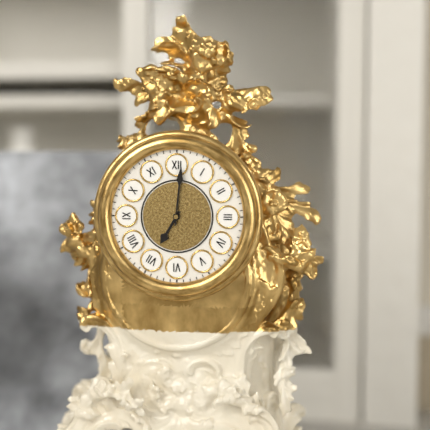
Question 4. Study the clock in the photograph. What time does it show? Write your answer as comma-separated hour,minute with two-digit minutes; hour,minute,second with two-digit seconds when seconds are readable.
7,01
